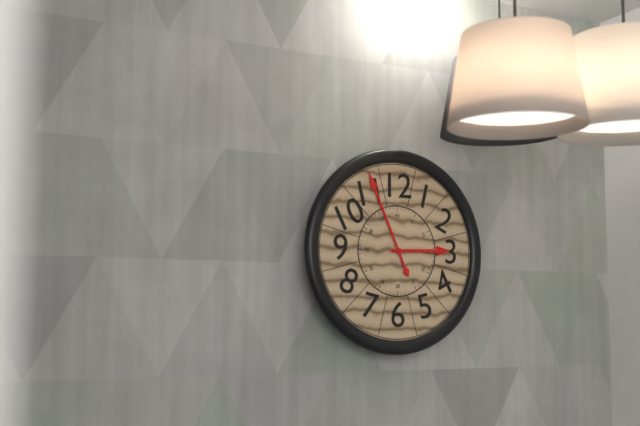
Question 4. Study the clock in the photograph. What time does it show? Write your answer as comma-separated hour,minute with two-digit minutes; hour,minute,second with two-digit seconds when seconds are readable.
2,56
